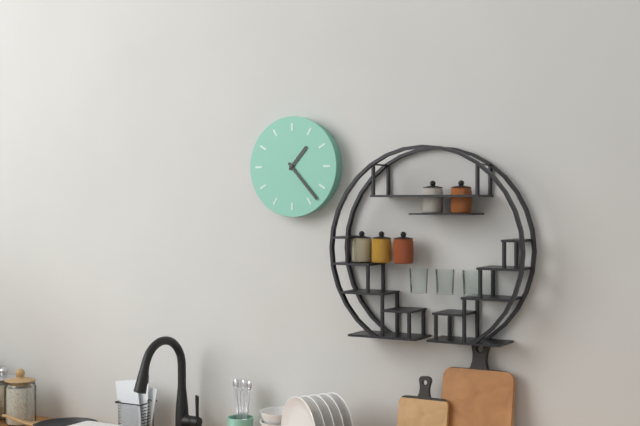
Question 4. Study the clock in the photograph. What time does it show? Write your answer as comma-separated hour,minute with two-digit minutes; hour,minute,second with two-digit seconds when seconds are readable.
1,23
